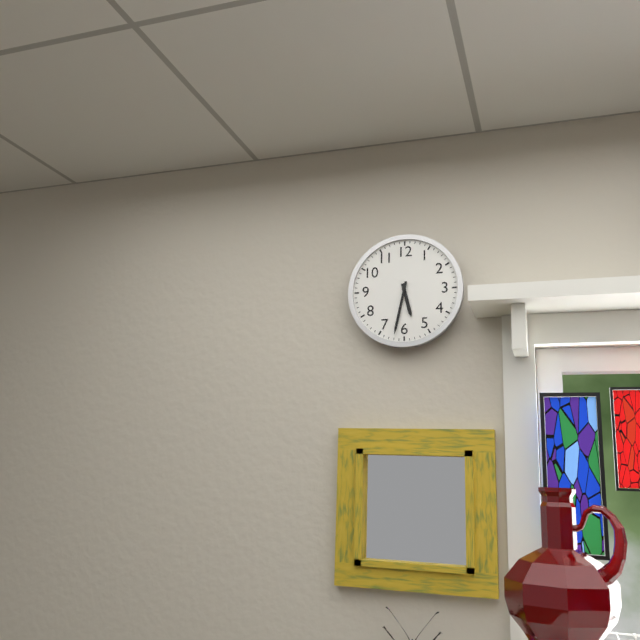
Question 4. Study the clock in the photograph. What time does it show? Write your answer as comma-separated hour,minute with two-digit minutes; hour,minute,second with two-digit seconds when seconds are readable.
5,32
